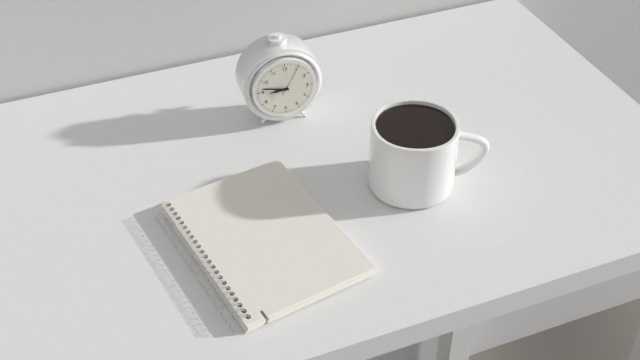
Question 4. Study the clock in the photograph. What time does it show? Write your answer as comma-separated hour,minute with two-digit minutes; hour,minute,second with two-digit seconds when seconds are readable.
8,47
